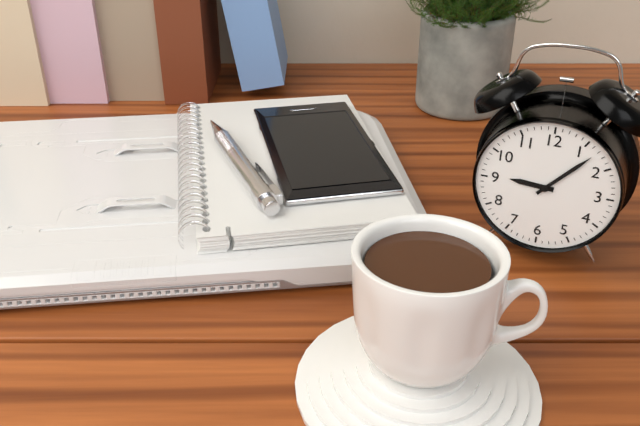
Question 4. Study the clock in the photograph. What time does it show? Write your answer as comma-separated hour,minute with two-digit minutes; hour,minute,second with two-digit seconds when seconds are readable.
9,07
